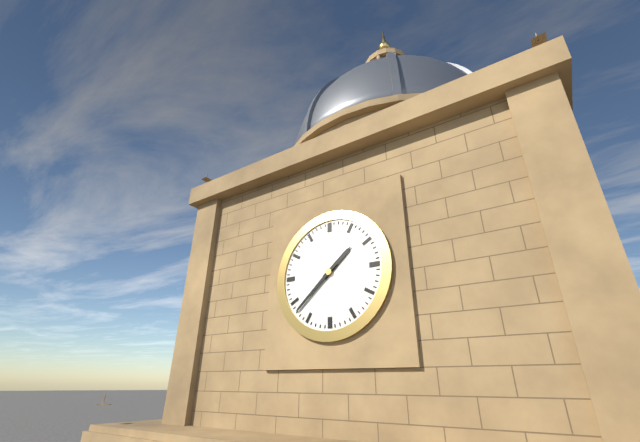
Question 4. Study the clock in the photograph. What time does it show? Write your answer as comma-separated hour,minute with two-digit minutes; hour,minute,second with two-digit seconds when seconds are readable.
1,38
